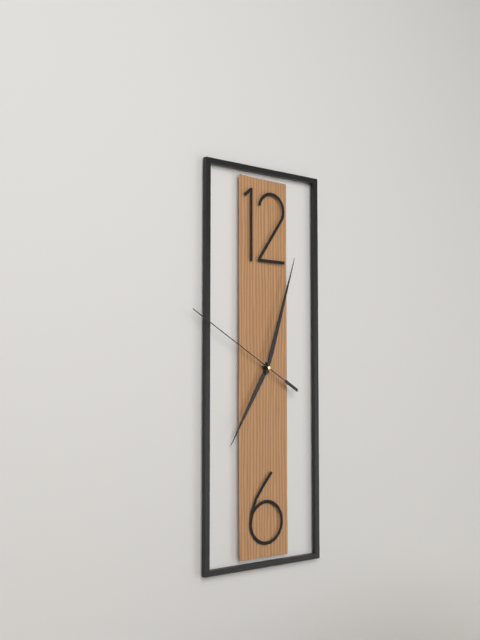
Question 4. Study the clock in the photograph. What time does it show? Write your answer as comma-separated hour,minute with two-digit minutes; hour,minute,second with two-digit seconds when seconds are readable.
7,03,50
